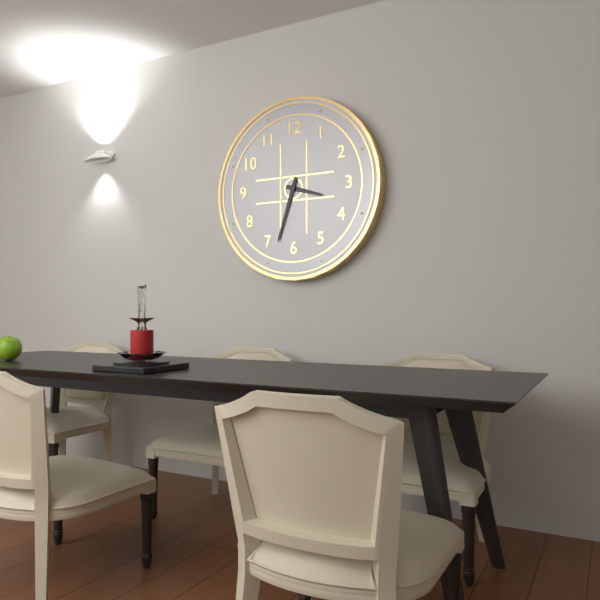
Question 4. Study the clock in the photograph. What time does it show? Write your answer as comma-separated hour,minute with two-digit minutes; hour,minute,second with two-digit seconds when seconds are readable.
3,33
